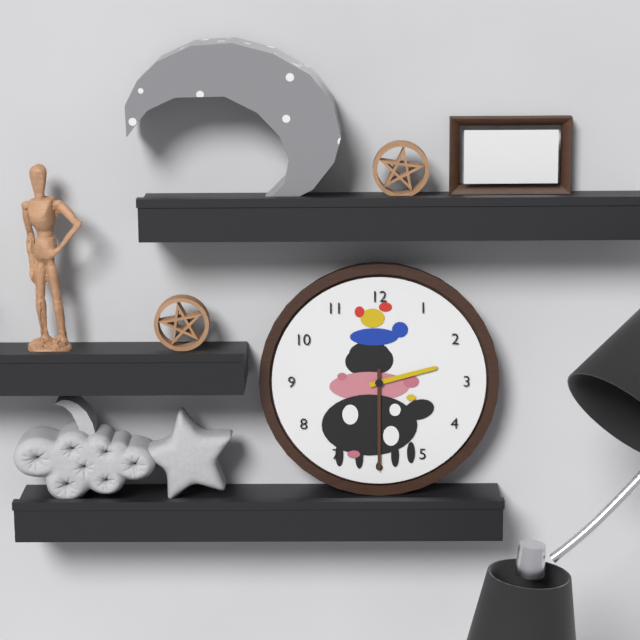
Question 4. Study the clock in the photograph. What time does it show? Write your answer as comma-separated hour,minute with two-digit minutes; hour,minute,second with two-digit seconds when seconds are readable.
2,30
